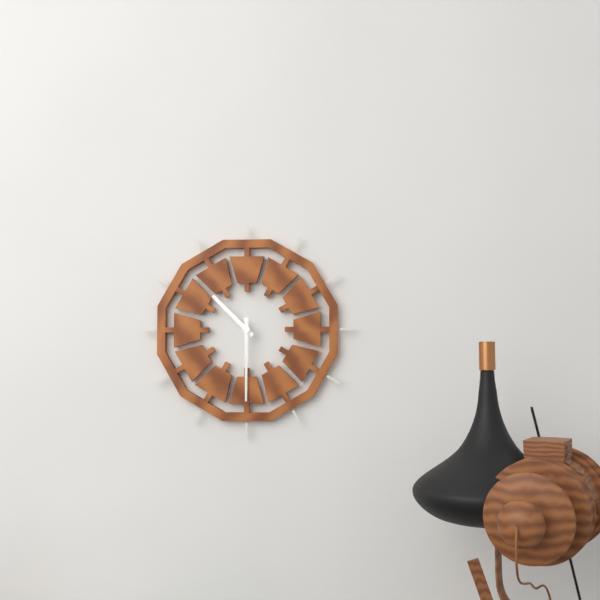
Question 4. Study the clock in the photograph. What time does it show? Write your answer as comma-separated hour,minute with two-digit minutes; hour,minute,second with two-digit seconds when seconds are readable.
10,30
